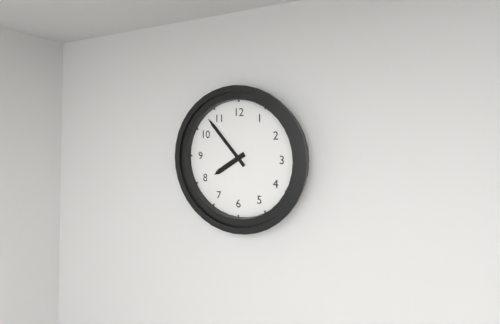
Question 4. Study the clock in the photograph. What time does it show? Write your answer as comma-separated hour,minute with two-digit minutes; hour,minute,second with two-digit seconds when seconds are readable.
7,53
